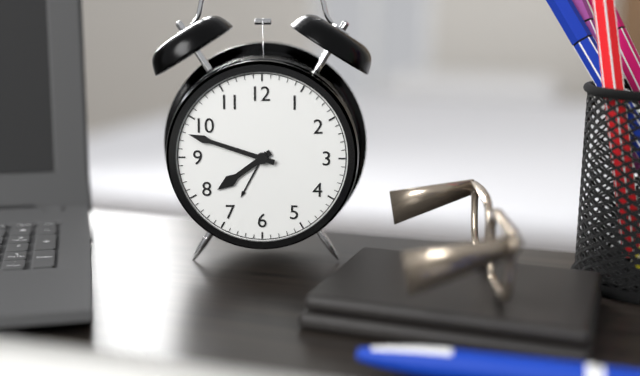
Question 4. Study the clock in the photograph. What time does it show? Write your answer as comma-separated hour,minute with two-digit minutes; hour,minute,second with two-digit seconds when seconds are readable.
7,48
